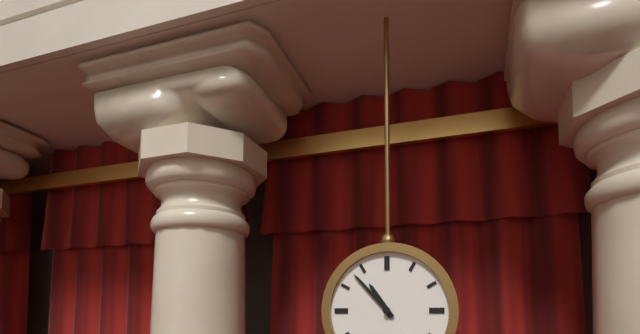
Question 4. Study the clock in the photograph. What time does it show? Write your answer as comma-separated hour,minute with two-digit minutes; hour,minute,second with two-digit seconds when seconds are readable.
10,53
